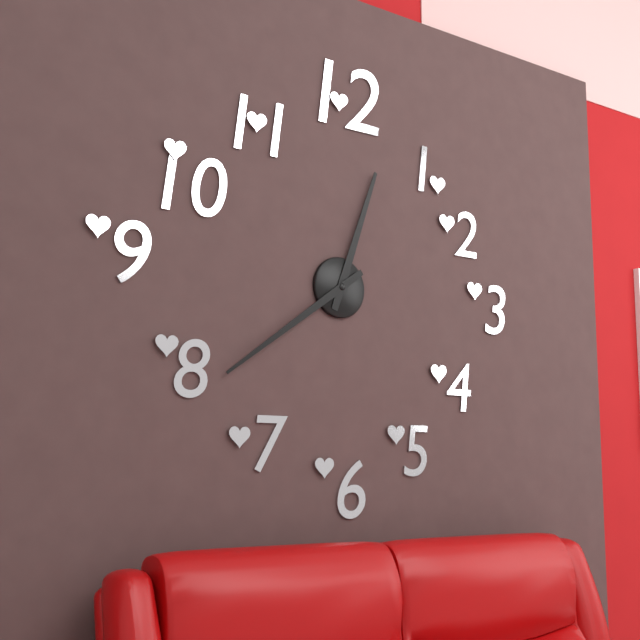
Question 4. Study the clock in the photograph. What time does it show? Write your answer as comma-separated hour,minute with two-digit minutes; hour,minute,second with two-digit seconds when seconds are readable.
12,39
